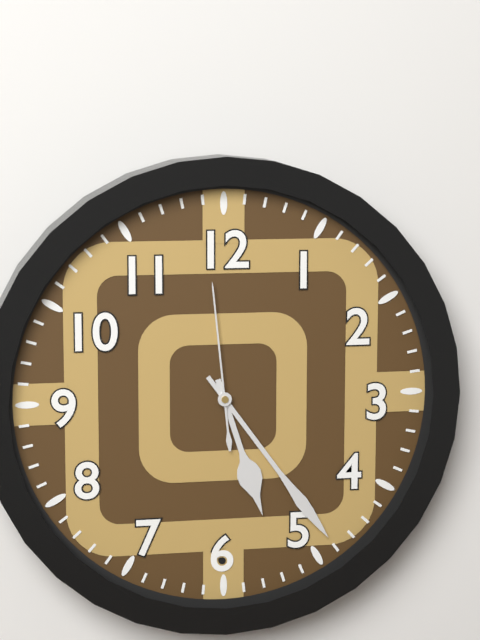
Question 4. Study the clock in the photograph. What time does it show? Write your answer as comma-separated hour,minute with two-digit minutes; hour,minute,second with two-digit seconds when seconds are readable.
5,24,59
